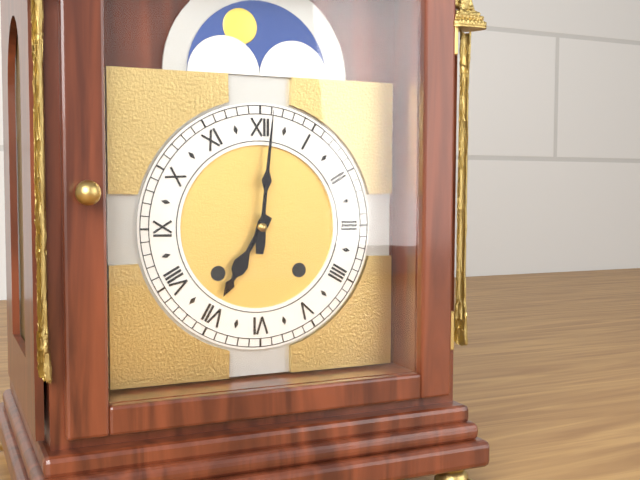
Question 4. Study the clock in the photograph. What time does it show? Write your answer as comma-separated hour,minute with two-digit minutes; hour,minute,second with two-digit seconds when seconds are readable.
7,01
